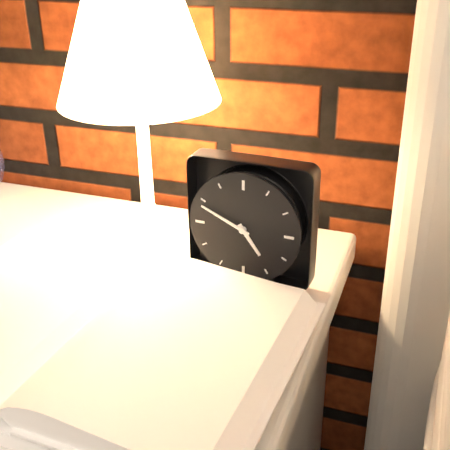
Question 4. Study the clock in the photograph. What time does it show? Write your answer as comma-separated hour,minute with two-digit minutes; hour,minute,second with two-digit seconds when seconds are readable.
4,49
